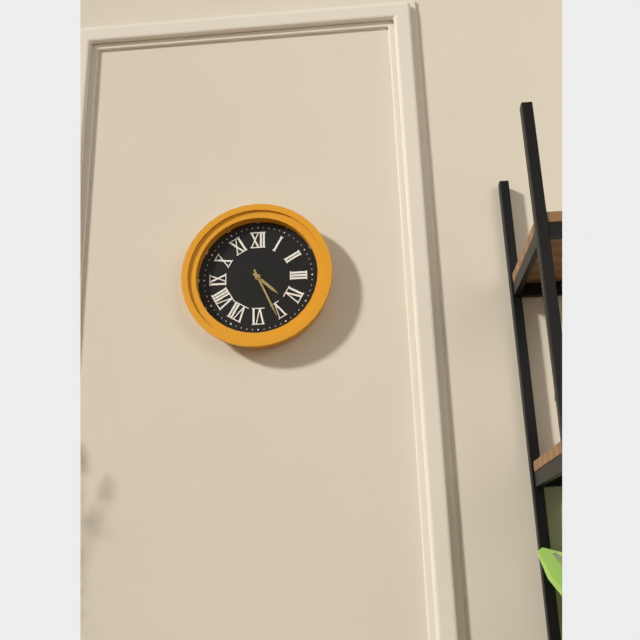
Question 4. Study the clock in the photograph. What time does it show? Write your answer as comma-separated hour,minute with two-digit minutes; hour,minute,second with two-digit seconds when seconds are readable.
4,26
